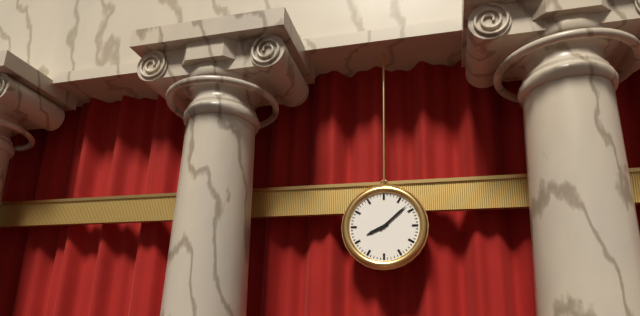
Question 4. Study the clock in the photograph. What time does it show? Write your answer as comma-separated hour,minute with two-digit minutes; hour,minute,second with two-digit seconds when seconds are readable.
8,08
